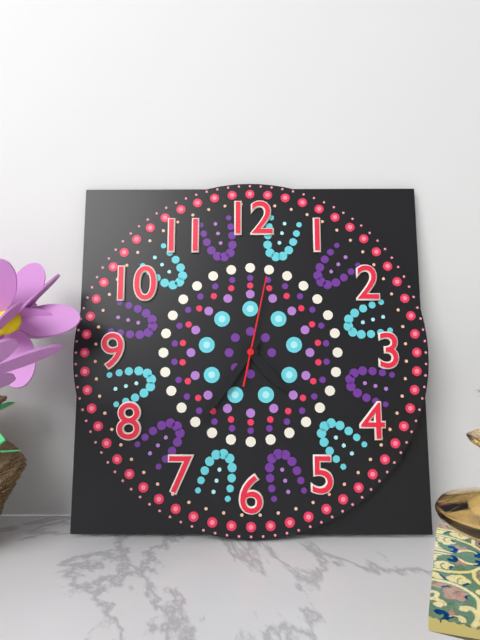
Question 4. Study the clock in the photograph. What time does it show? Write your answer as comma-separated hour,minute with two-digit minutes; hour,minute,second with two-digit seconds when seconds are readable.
4,36,02
